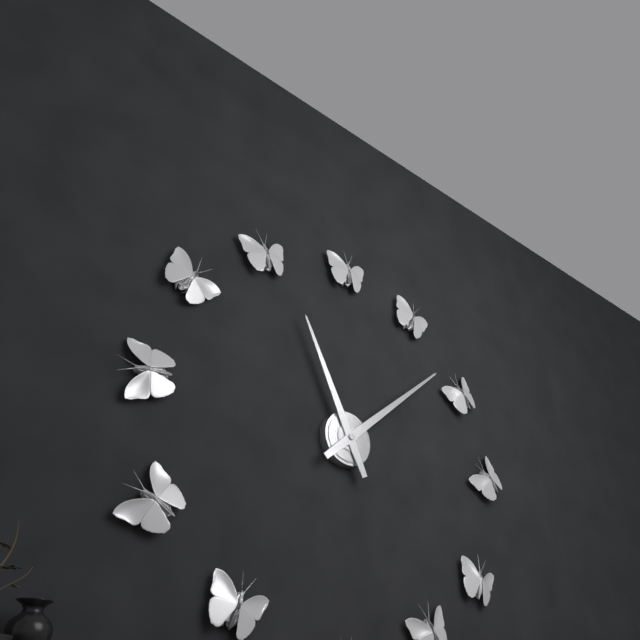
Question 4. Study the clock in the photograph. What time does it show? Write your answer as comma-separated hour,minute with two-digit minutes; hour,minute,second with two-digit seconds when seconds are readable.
11,08
